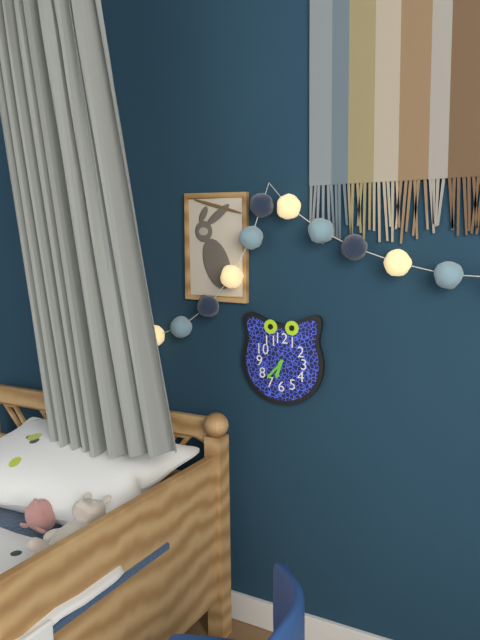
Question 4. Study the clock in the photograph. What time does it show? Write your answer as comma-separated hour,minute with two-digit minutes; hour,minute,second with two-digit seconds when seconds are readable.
6,37
